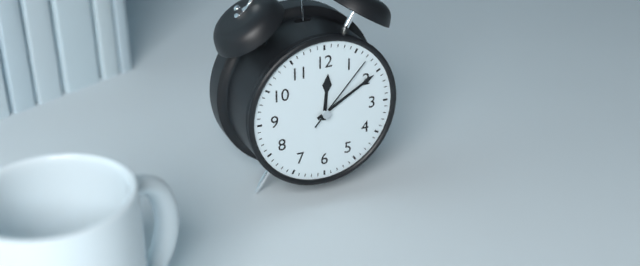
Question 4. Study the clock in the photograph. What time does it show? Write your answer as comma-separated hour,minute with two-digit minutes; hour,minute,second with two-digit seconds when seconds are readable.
12,10,07
